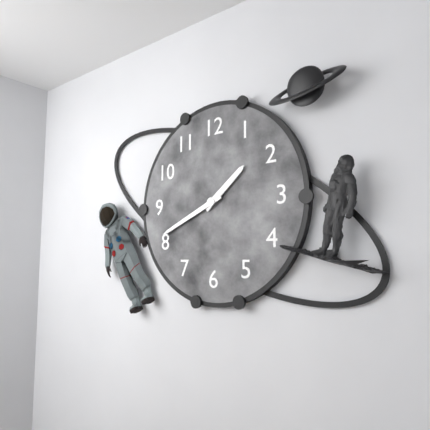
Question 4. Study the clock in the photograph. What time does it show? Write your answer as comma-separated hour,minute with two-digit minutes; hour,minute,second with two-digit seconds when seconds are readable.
1,41
